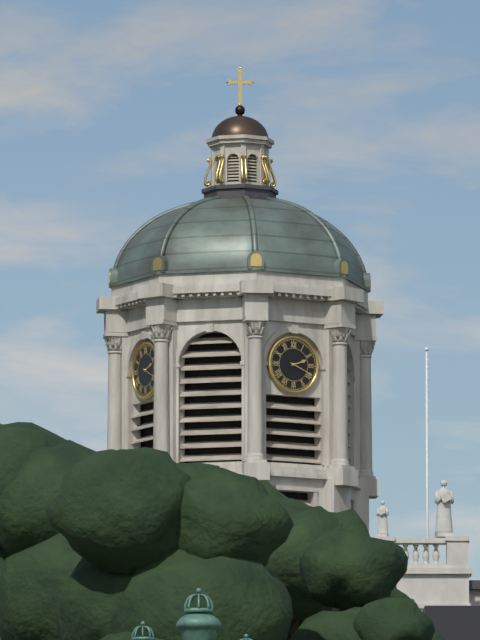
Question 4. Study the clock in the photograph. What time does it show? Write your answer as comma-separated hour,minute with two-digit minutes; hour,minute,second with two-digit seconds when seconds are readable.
2,19
